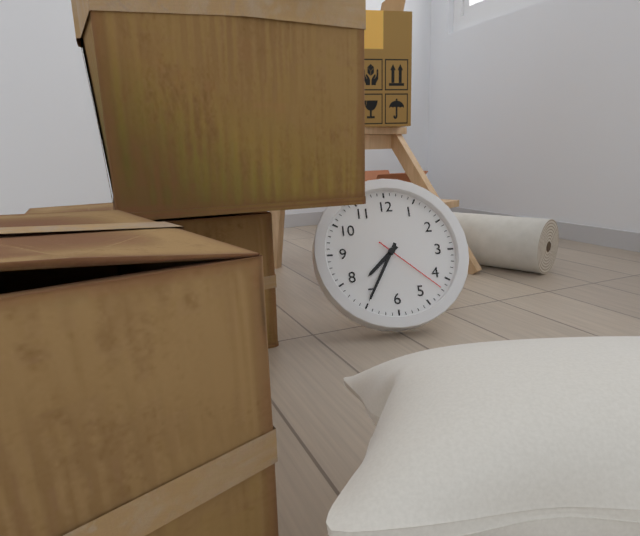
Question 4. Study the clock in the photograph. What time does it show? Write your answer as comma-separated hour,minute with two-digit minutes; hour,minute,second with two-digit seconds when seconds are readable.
7,35,22
